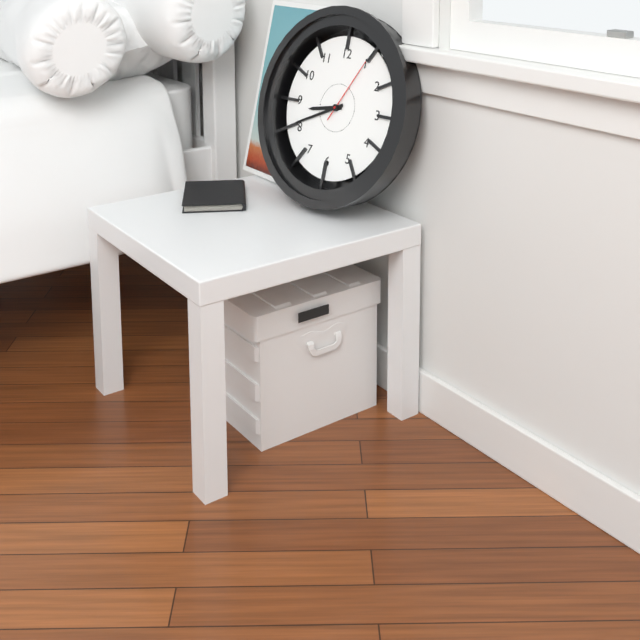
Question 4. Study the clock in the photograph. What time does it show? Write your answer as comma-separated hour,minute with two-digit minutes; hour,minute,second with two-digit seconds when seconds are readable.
8,41,05
